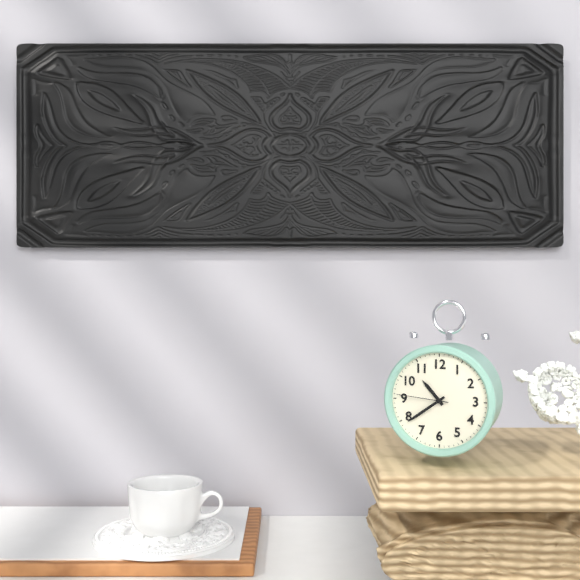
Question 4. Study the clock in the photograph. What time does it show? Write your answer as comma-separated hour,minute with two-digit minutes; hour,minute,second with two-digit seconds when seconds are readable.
10,39,46
